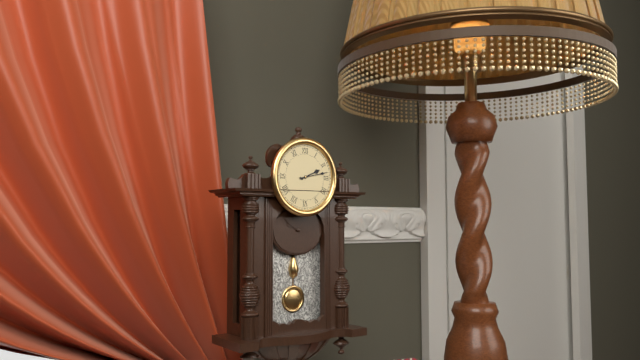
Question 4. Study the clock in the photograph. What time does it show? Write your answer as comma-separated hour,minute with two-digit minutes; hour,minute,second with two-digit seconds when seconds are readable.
2,13
